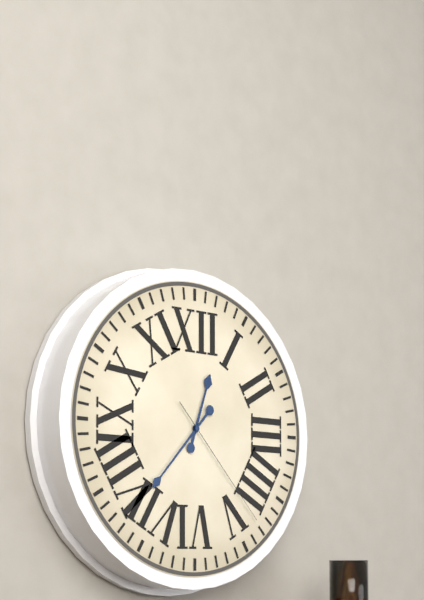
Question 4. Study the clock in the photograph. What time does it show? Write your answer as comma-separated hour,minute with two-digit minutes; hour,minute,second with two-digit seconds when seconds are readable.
12,37,23
